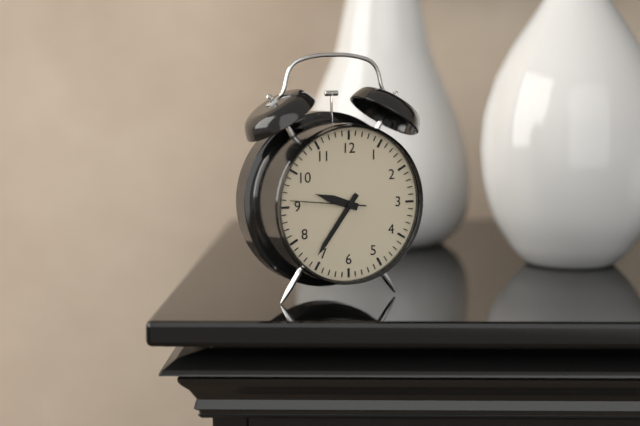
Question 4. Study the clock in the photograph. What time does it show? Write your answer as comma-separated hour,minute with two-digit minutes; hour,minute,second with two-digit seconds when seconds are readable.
9,36,46
